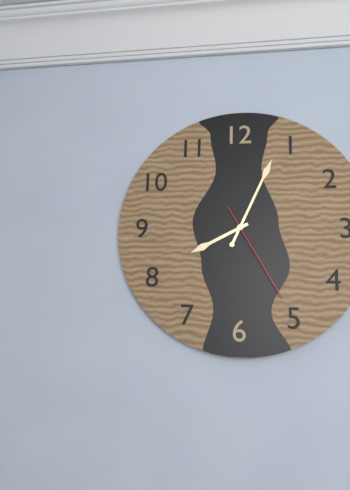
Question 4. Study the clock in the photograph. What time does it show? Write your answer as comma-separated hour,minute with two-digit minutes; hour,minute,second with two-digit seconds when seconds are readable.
8,04,25
